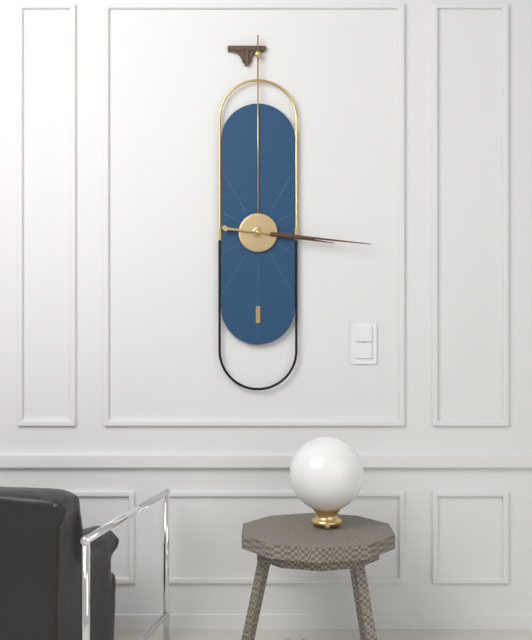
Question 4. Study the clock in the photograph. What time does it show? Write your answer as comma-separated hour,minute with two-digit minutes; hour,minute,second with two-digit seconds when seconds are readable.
3,16
